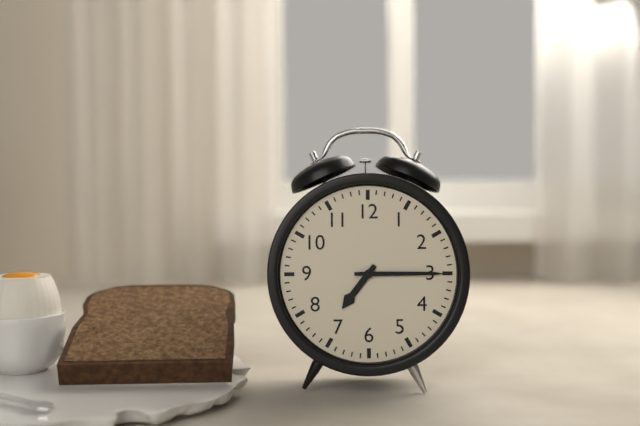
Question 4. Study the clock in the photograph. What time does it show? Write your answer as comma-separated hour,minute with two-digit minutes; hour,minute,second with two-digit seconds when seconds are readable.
7,15
